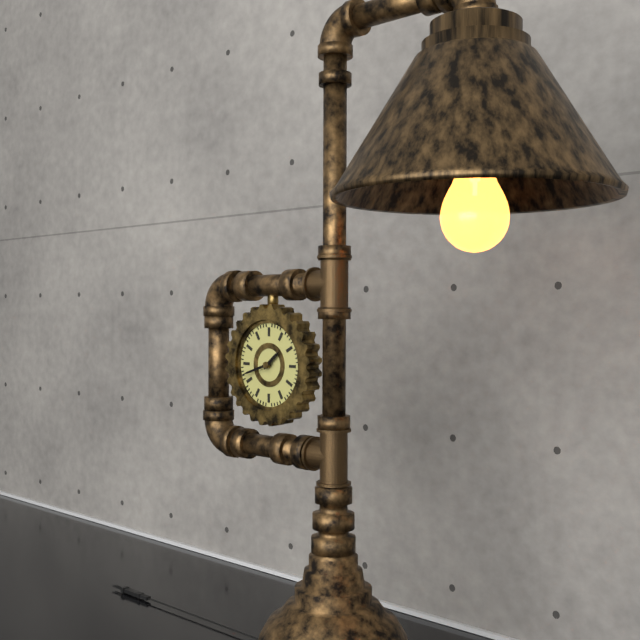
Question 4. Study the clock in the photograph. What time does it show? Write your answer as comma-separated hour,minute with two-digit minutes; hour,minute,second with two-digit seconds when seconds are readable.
1,42
